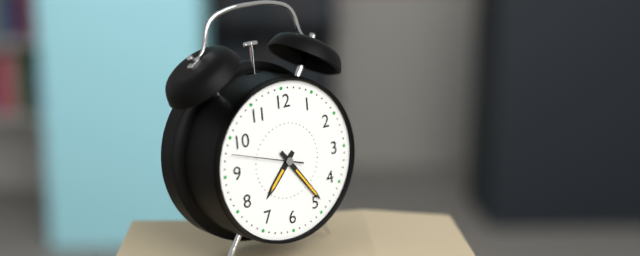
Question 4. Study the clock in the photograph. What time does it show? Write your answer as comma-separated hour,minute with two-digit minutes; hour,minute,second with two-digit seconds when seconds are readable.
7,24,48
